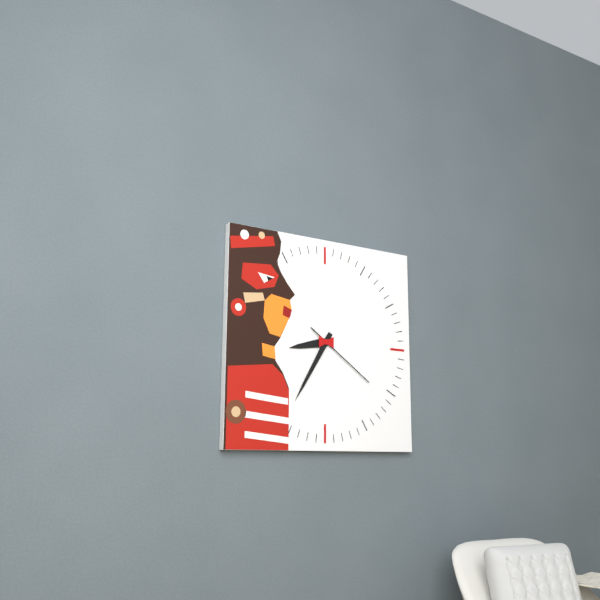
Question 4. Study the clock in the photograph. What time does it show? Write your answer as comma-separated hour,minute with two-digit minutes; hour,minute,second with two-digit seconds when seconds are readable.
8,35,21
